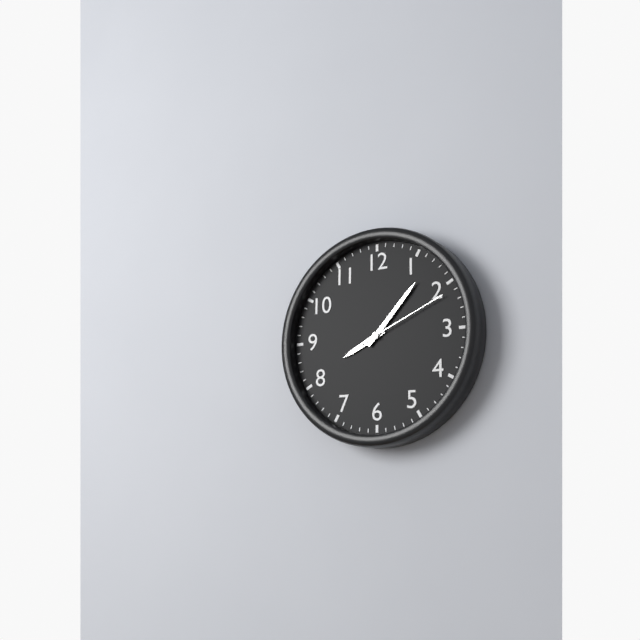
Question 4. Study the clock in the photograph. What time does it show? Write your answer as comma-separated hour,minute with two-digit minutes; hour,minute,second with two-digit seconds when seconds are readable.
8,07,11
